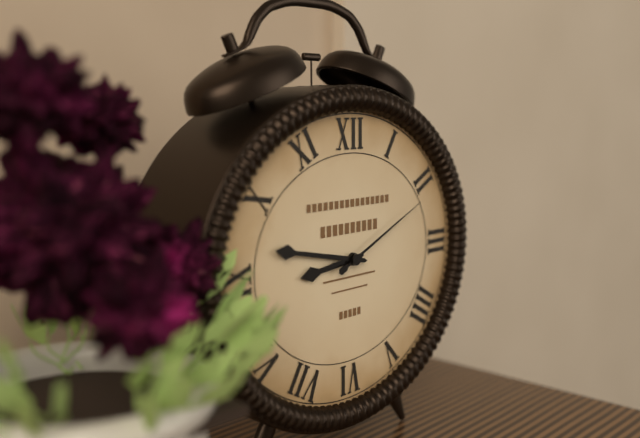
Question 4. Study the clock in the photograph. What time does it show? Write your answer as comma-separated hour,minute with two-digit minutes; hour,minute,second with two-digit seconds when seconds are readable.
8,47,11
